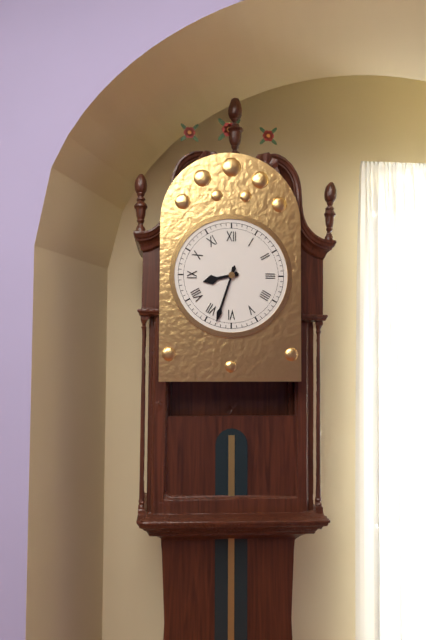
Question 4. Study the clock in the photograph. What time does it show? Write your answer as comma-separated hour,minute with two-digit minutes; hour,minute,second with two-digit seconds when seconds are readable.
8,33
